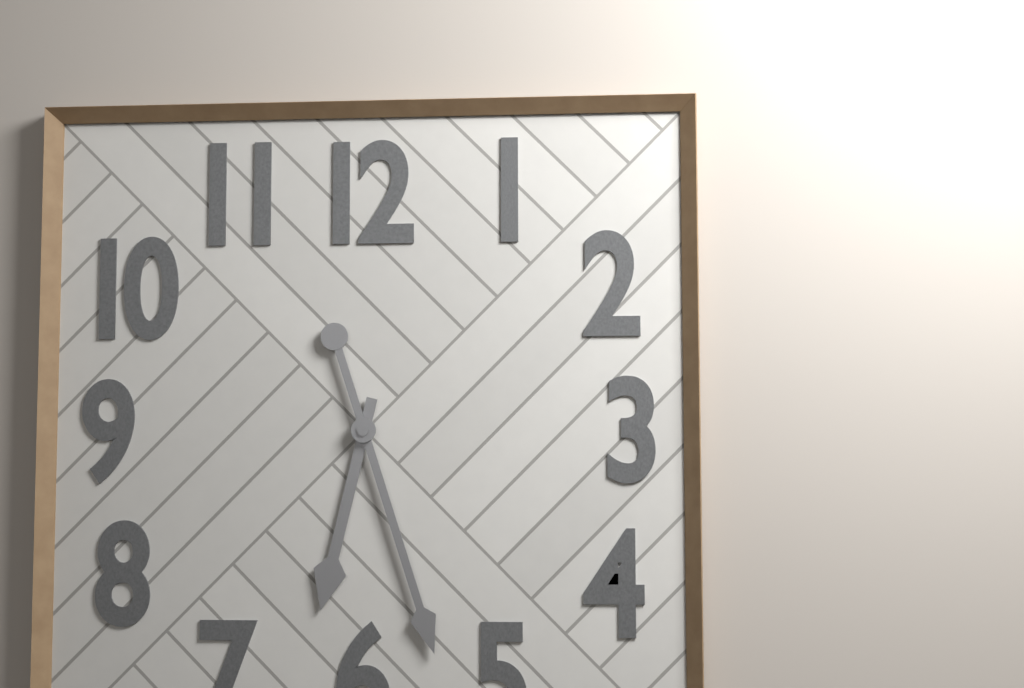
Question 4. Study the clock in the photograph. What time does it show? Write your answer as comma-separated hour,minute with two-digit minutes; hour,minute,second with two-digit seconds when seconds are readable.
6,27
